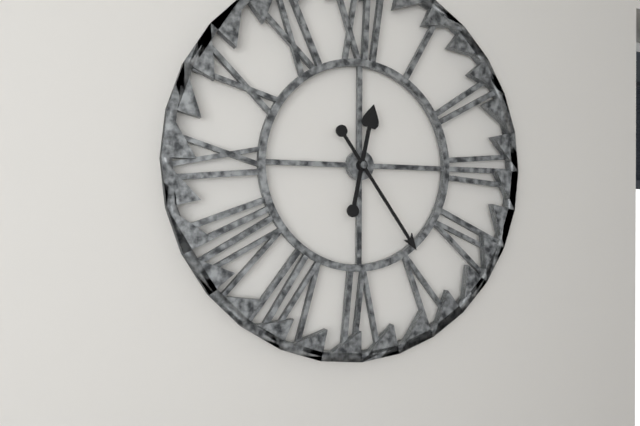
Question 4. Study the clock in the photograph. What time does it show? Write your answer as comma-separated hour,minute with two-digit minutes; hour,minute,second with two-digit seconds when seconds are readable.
12,24
